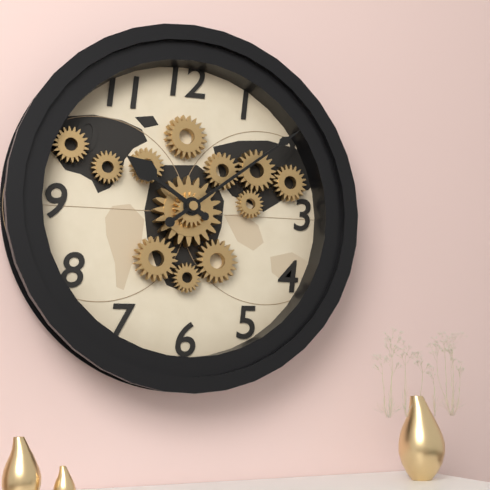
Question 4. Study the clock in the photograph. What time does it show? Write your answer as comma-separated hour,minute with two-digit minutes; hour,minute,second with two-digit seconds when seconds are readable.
10,09
